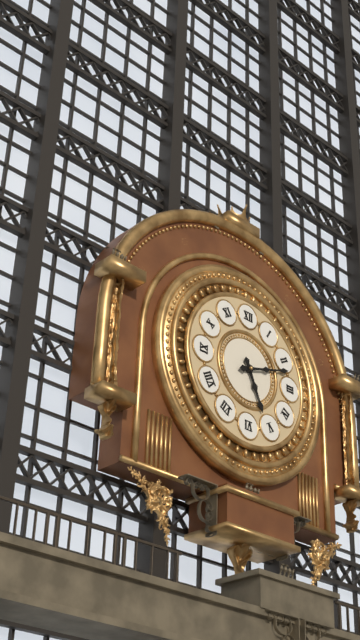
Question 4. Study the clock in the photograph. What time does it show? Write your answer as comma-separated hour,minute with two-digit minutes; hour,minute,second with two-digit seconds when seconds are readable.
5,12
